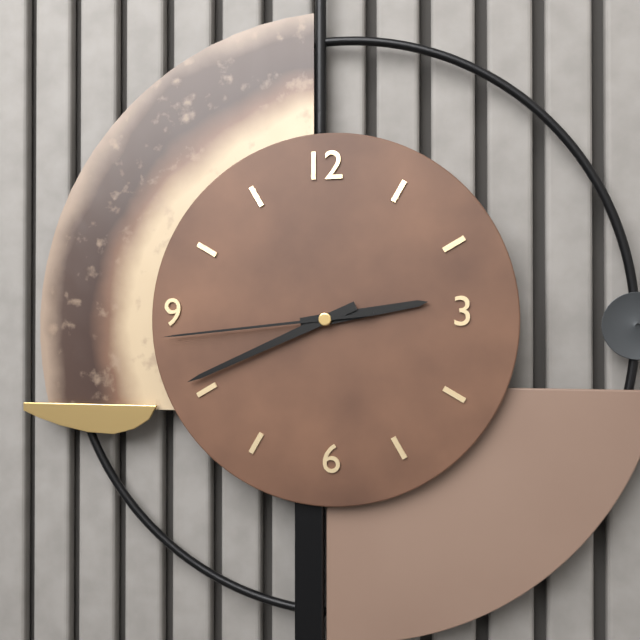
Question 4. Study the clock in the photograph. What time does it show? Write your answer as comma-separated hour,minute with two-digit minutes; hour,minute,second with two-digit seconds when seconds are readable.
2,41,44
